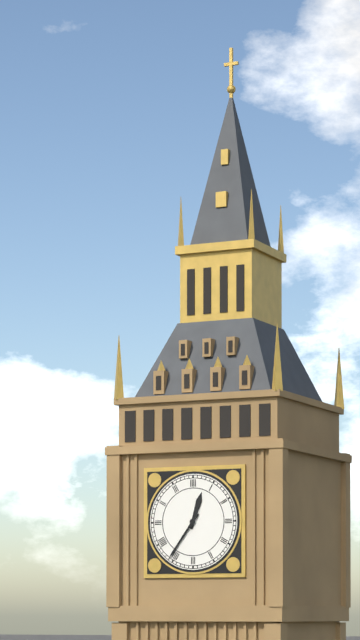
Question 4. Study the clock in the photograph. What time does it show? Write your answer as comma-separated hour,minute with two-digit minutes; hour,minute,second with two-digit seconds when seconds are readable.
12,36
